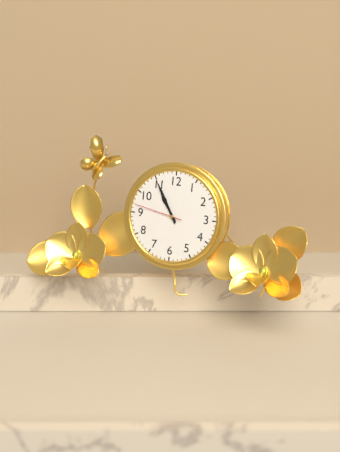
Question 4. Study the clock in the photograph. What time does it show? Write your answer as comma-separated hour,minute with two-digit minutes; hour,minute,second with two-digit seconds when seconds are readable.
10,55,47
